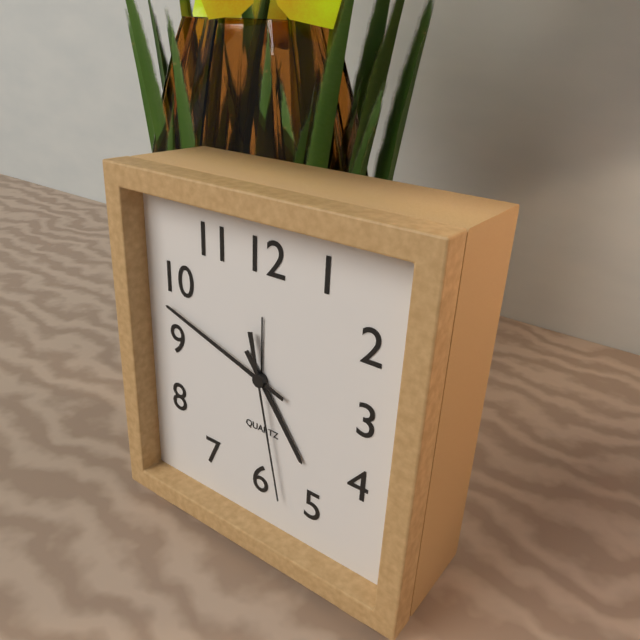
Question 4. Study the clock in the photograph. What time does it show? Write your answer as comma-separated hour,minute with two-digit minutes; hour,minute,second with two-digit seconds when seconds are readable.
4,48,28
